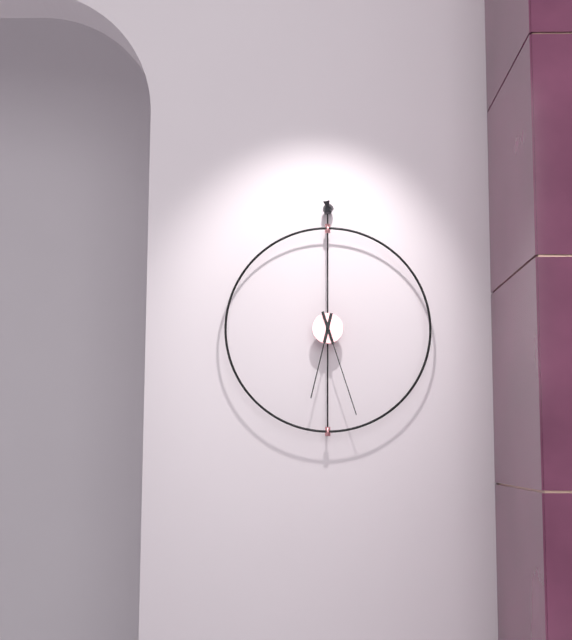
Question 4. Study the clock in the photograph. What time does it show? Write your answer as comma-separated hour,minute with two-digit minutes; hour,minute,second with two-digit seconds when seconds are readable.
6,27
